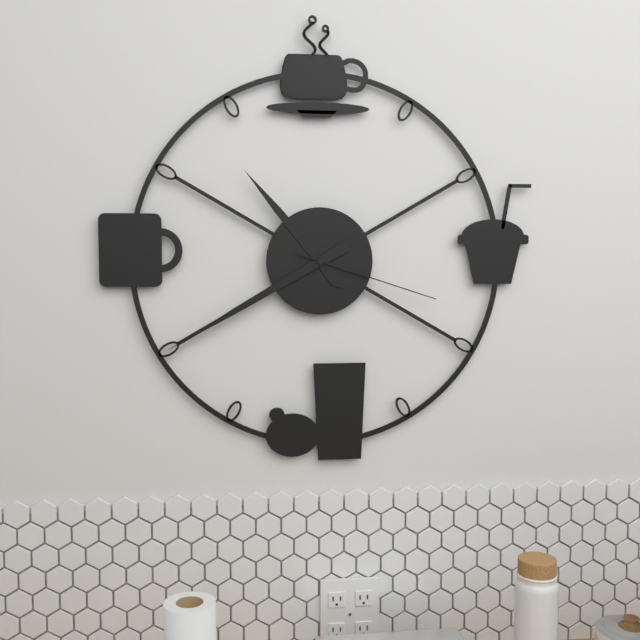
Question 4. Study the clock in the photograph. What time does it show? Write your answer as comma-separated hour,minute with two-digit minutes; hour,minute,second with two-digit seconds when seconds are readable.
10,40,18
